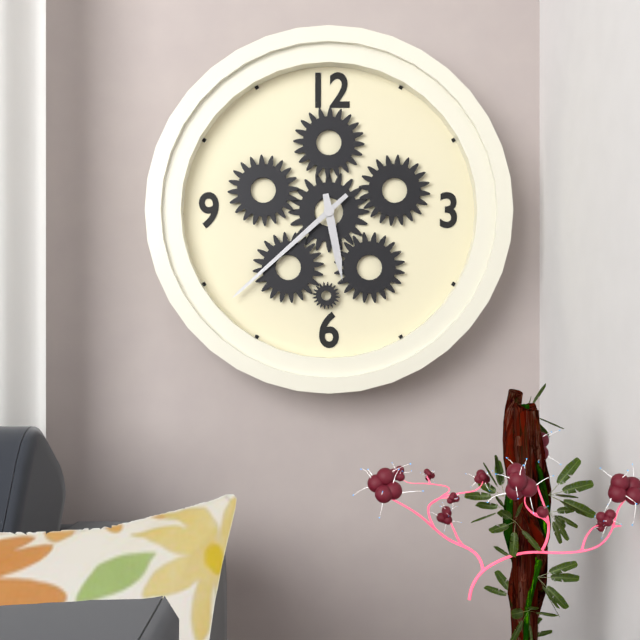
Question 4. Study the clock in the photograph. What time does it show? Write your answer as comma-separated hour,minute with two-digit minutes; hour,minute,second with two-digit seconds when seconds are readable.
5,38
